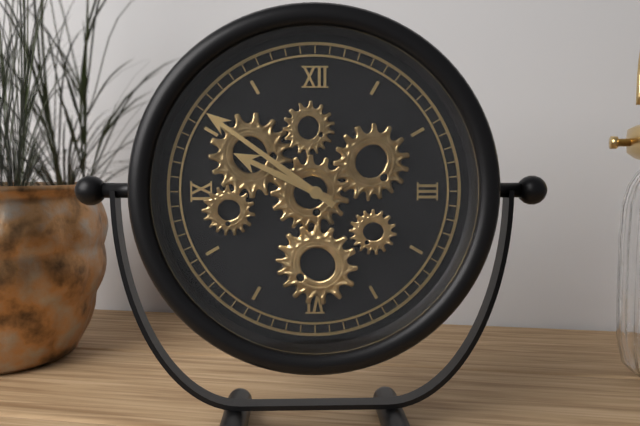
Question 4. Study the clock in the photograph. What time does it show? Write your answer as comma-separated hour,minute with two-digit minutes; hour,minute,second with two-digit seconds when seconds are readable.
9,51
